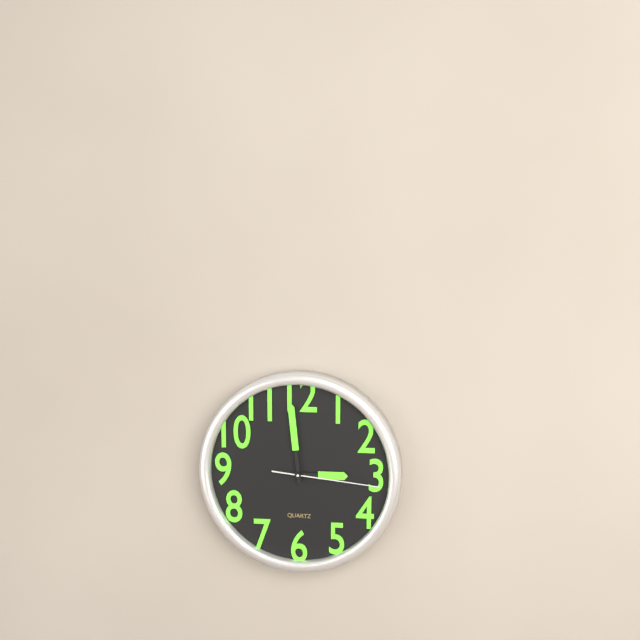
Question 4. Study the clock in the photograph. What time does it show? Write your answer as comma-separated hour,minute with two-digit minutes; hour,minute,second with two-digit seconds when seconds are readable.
2,59,16
